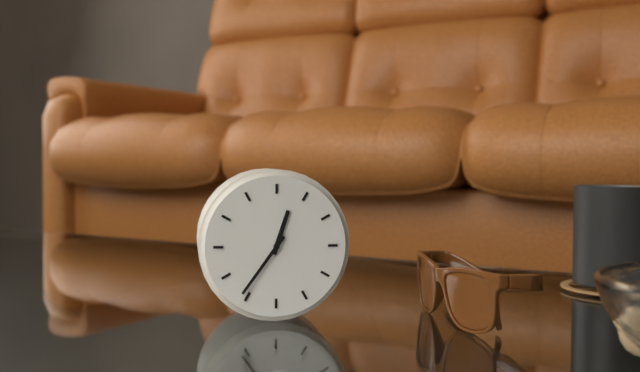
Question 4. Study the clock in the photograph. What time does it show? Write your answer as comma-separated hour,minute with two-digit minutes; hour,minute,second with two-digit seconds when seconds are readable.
12,36
